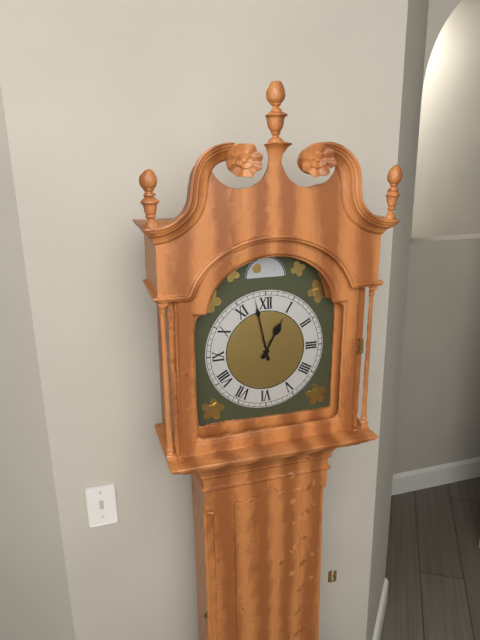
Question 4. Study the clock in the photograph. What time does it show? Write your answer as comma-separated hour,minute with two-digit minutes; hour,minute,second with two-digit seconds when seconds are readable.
12,58
